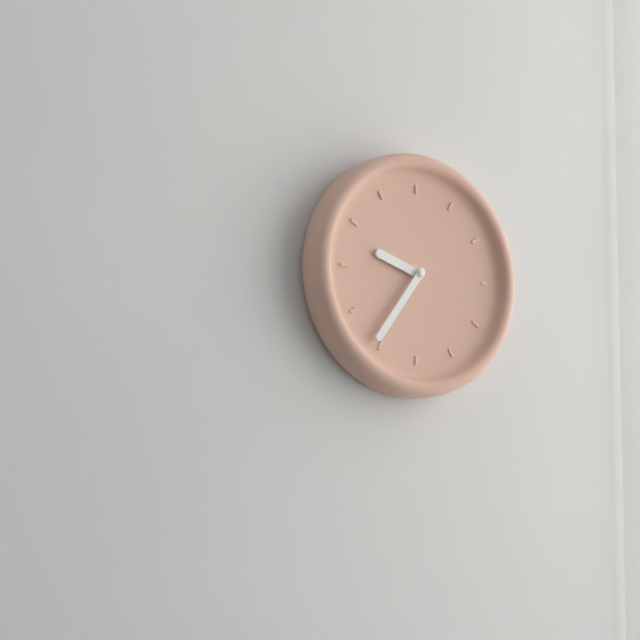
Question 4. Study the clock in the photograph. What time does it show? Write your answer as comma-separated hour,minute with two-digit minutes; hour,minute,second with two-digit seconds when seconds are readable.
9,36
